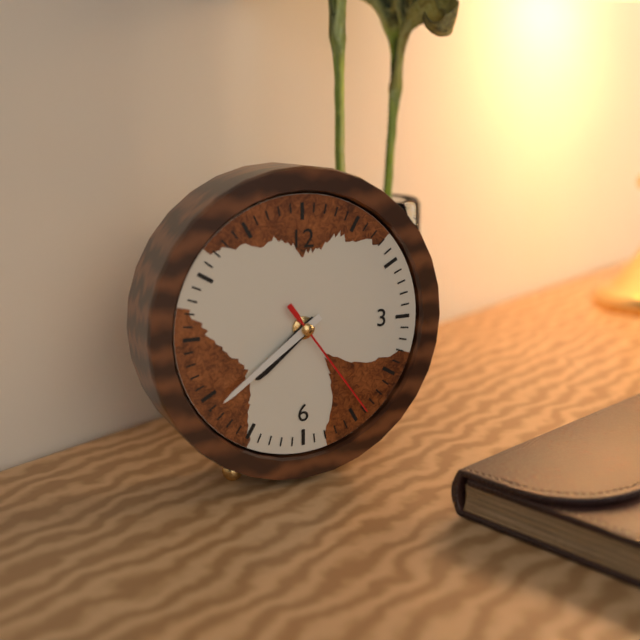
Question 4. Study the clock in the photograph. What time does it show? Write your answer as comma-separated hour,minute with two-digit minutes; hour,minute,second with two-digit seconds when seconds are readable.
7,39,24
